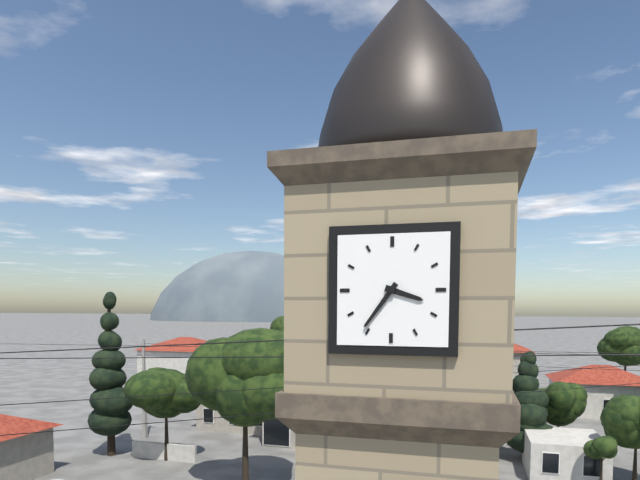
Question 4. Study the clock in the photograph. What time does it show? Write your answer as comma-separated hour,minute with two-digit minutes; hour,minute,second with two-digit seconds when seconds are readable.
3,36
